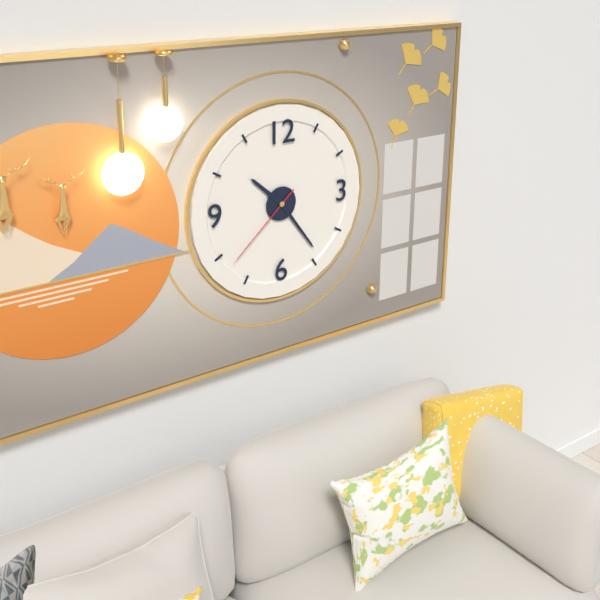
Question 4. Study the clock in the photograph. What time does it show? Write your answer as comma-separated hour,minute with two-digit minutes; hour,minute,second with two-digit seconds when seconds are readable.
10,24,38
